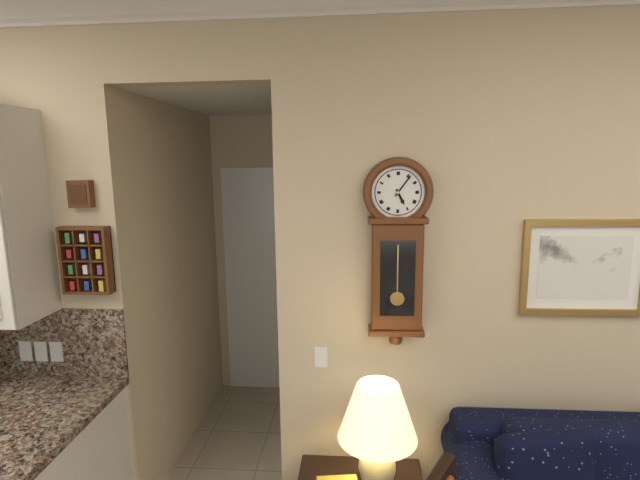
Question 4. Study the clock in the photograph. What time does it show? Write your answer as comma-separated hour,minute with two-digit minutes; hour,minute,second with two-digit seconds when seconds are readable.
5,06
